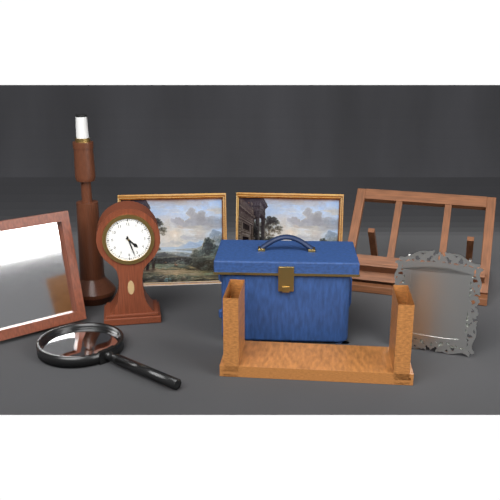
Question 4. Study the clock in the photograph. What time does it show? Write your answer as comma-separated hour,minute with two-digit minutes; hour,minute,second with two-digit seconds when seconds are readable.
4,27
